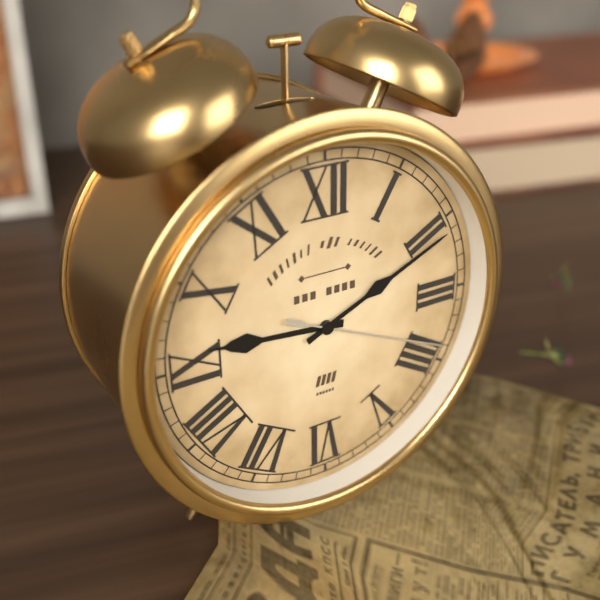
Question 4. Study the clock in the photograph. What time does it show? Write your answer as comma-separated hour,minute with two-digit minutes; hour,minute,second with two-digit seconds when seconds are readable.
9,11,19
